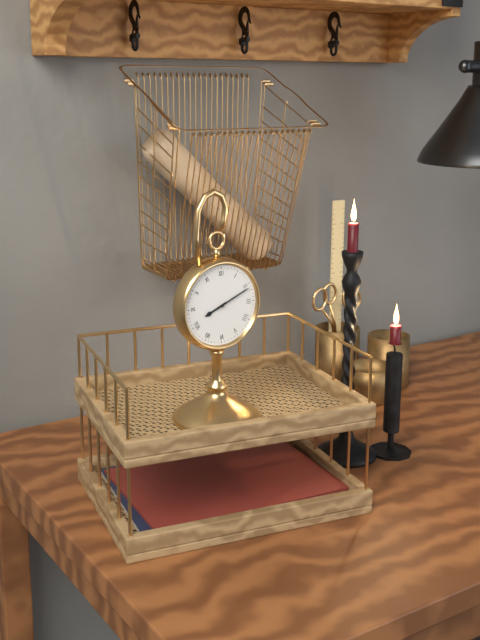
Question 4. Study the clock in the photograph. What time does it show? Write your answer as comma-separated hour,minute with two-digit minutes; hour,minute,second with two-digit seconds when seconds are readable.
8,11
